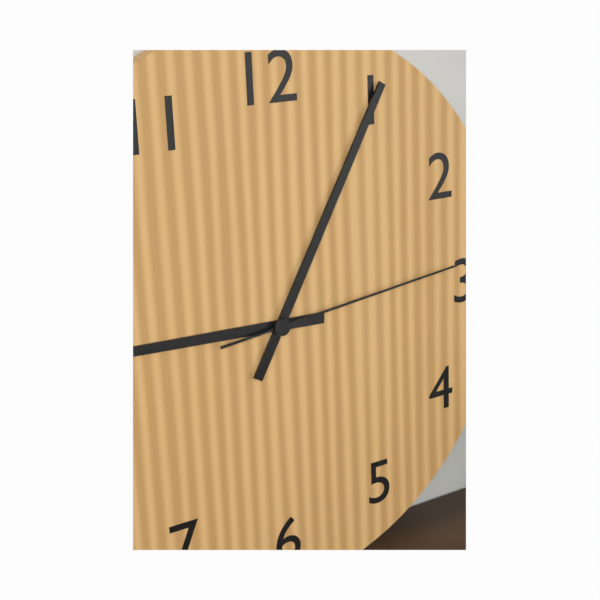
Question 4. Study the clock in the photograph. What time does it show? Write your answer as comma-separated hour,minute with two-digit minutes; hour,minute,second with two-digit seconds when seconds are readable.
9,05,14
